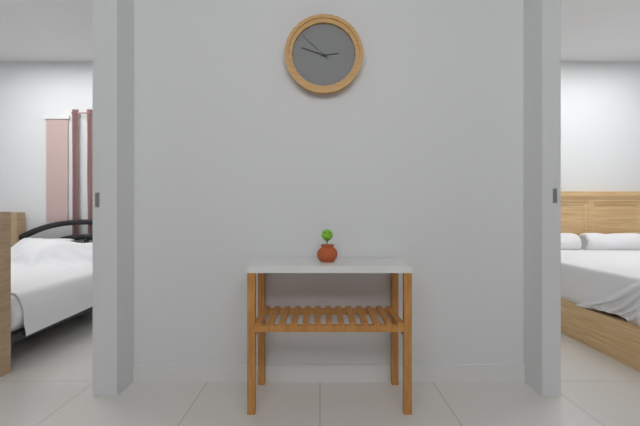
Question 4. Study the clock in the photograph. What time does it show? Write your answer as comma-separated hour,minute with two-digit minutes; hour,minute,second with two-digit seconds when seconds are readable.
2,48
